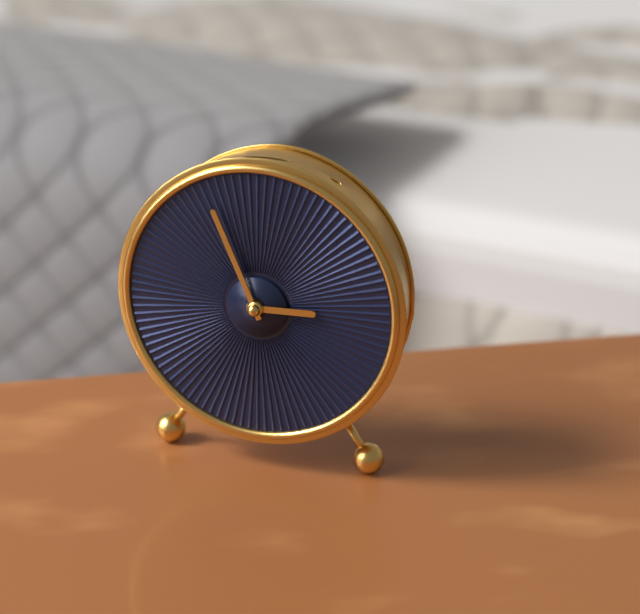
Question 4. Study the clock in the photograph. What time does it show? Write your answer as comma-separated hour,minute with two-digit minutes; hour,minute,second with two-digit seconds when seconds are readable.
2,56
